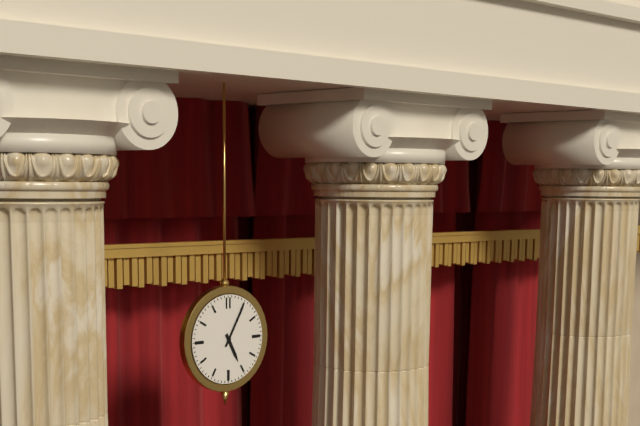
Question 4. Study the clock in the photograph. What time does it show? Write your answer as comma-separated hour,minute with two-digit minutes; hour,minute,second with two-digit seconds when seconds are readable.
5,05
